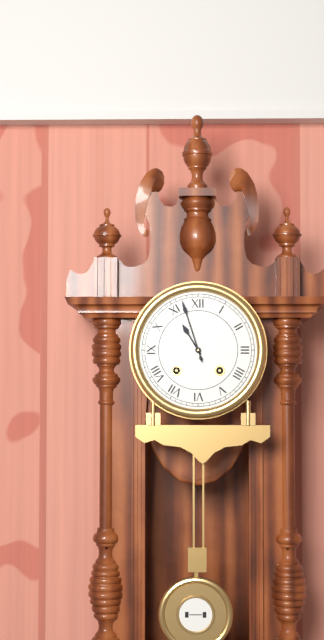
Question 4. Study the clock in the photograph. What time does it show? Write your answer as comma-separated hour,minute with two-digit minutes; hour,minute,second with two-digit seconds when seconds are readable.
10,57
